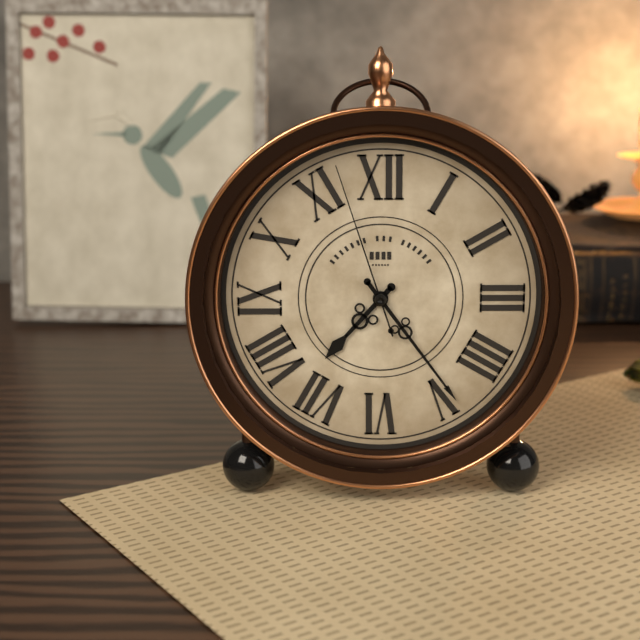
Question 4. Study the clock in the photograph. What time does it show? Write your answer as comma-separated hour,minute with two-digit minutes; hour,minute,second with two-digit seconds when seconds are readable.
7,24,57
